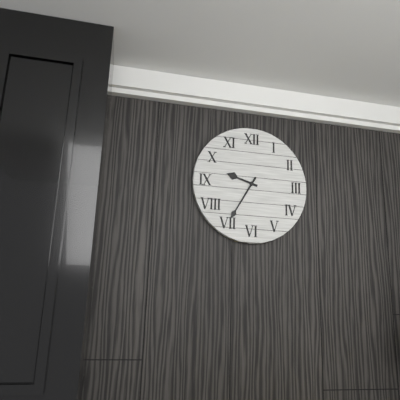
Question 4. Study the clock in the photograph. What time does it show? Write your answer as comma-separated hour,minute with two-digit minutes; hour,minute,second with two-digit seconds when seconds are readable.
9,35
